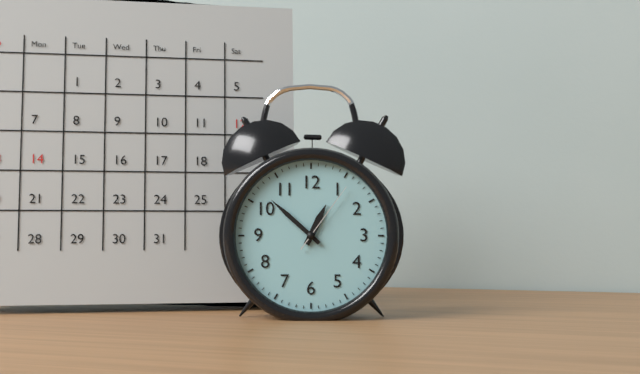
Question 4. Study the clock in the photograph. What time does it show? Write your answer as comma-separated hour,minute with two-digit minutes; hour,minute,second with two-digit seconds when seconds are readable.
12,52,06
